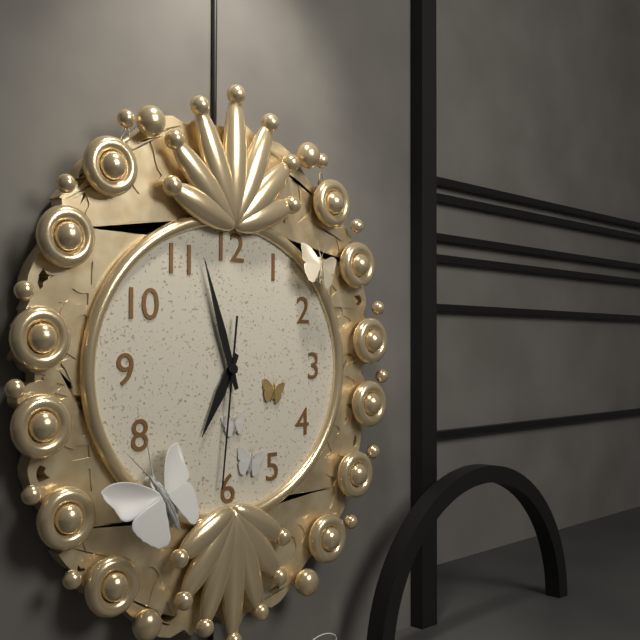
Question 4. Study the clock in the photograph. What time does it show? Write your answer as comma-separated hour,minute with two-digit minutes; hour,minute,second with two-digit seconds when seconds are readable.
6,57,31
